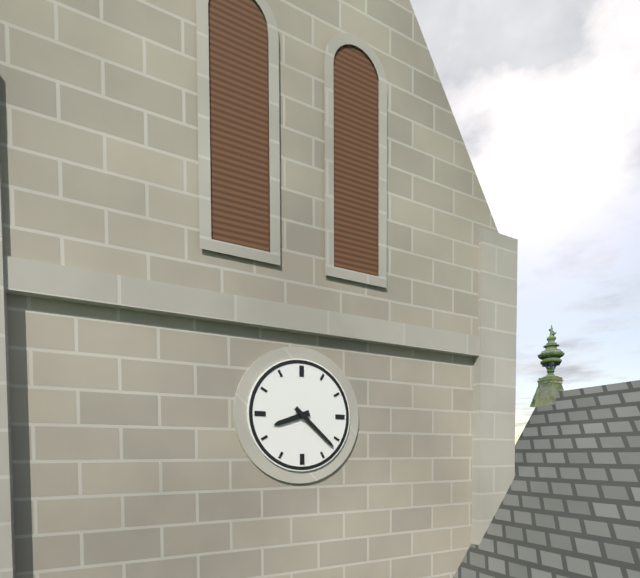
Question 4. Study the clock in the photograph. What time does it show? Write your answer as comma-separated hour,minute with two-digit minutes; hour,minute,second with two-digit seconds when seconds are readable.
8,22
